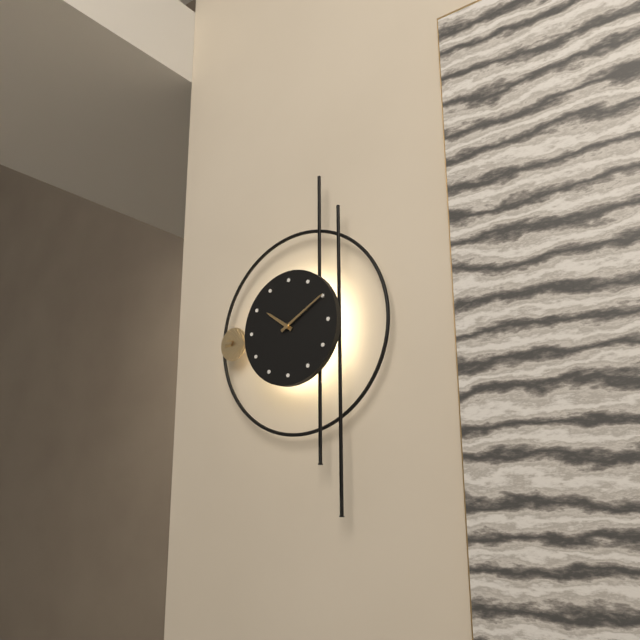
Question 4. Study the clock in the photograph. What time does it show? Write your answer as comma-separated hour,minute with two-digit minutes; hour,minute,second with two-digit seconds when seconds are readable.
10,10
